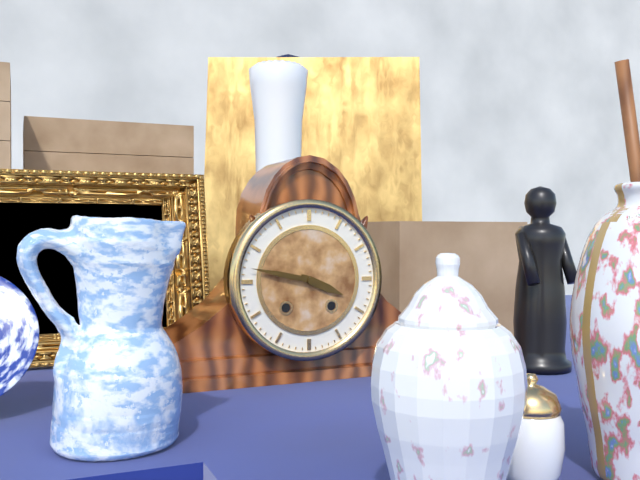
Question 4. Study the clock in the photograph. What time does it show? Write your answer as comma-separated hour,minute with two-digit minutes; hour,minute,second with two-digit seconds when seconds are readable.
3,47
